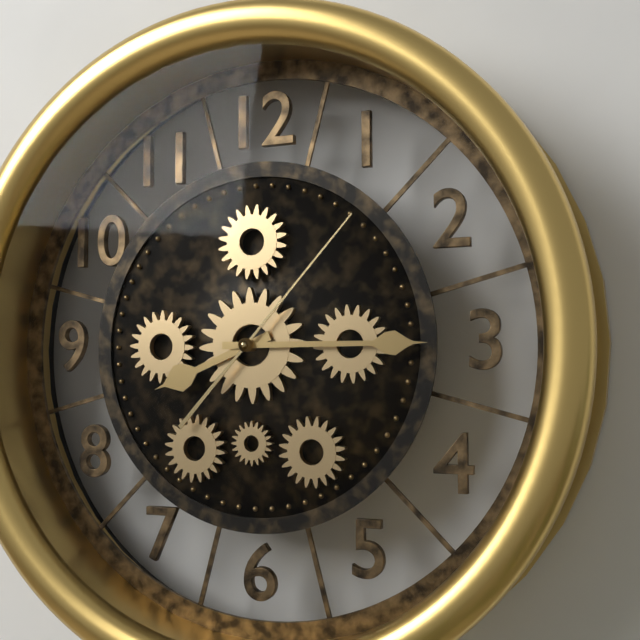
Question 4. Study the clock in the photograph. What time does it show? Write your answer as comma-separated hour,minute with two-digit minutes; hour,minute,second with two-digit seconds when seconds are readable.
8,15,07
